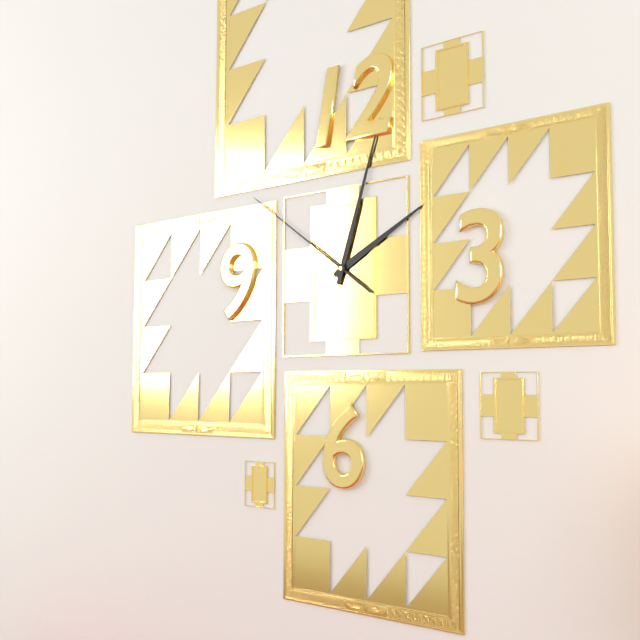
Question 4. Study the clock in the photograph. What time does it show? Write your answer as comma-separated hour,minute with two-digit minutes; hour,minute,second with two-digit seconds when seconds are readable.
2,03,51
